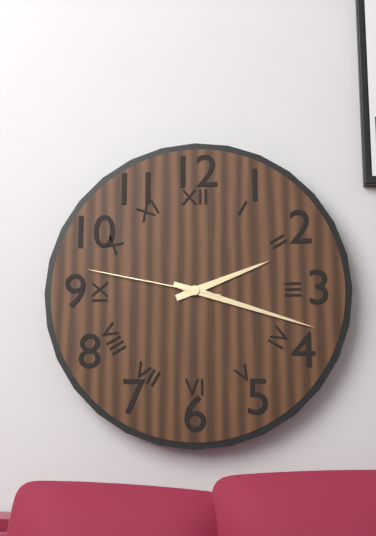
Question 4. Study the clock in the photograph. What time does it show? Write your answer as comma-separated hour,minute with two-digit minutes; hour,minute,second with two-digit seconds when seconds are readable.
2,18,47
